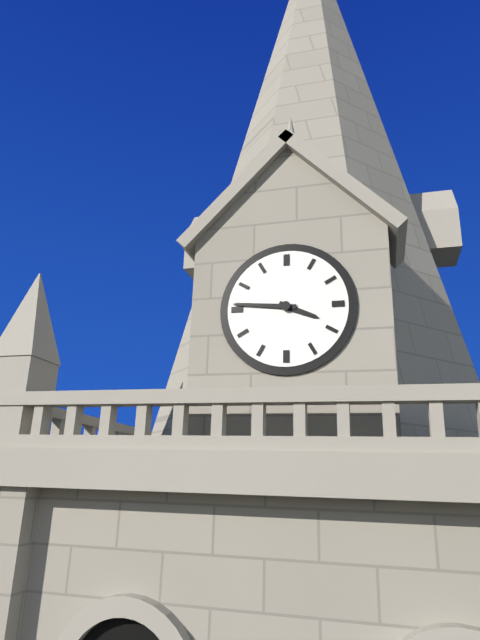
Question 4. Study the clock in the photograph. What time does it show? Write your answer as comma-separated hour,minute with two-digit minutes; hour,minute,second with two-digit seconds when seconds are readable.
3,46
